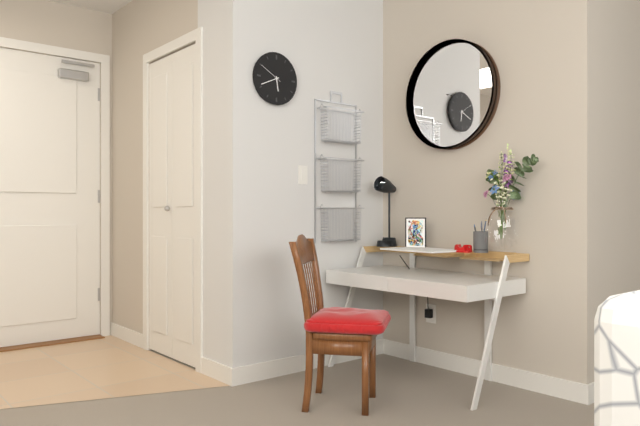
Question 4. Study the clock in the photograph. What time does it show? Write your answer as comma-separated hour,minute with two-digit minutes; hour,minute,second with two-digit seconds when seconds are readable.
5,41
